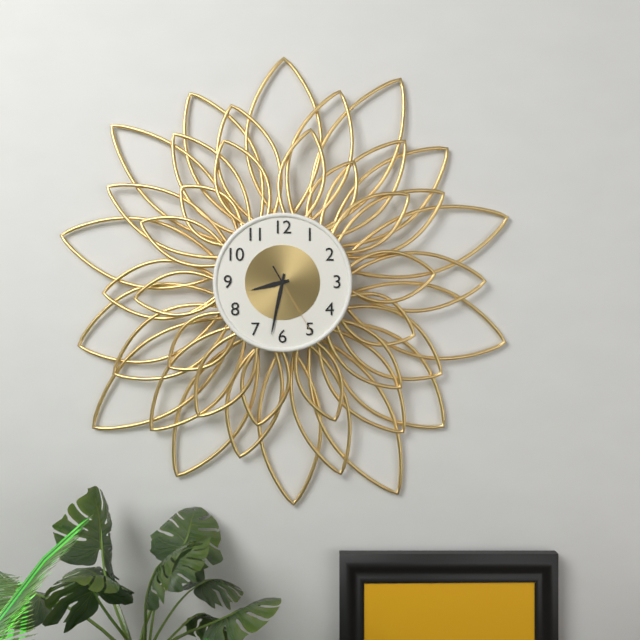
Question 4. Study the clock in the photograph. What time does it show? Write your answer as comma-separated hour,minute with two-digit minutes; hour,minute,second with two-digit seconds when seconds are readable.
8,32,25
